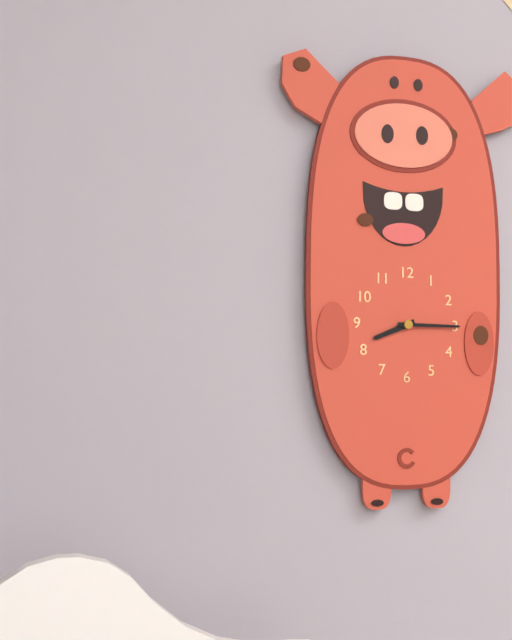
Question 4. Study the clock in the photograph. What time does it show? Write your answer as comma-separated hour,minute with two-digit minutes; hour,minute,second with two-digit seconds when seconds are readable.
8,15
